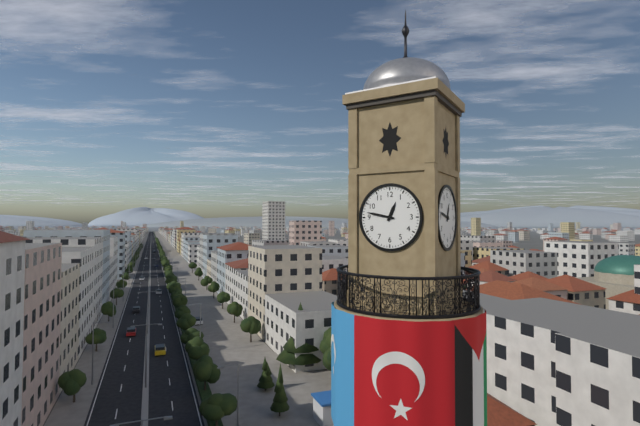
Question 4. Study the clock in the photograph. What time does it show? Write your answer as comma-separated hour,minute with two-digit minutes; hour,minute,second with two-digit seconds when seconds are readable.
12,47
